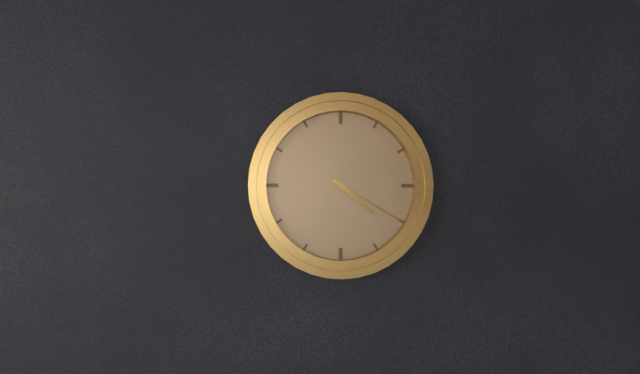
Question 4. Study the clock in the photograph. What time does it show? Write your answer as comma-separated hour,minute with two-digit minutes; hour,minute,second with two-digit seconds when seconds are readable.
4,20
